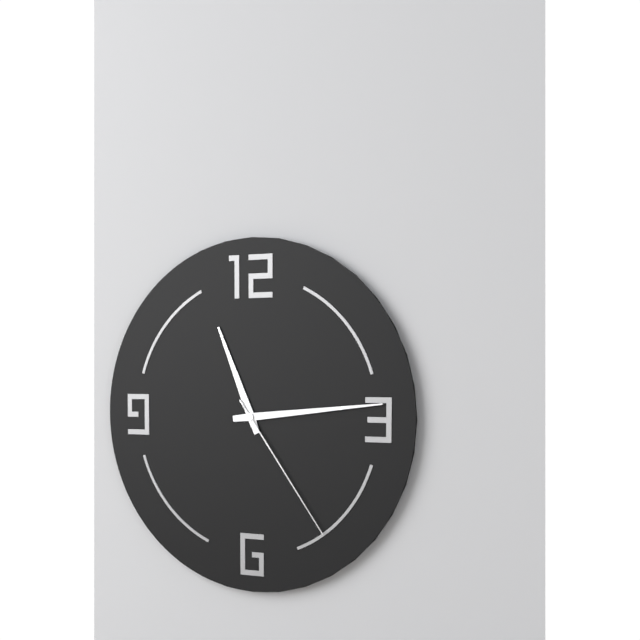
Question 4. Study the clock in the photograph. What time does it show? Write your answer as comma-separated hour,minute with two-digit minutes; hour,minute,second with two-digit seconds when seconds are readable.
11,14,24
